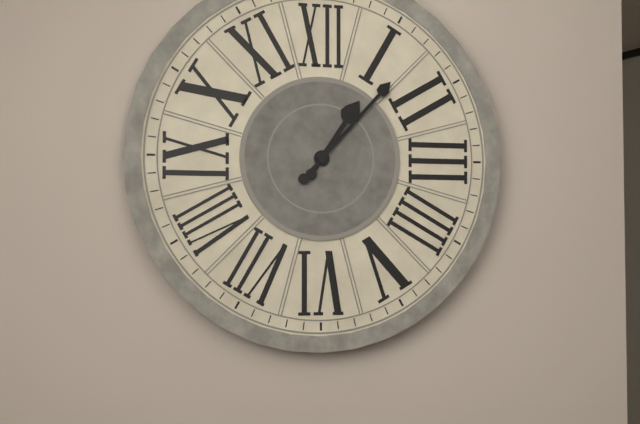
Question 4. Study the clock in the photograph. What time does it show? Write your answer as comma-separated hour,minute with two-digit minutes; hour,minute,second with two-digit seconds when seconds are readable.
1,07
